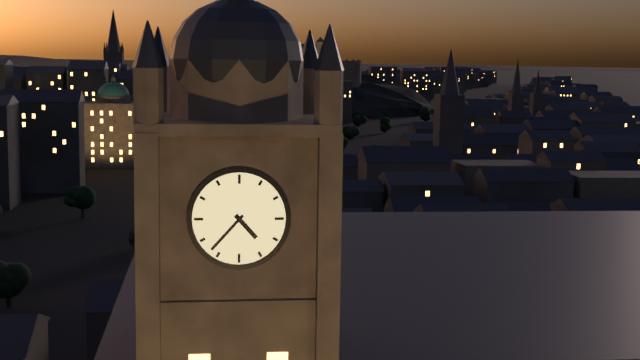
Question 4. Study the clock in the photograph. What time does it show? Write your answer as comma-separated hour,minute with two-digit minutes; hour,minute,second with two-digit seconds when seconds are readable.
4,37
